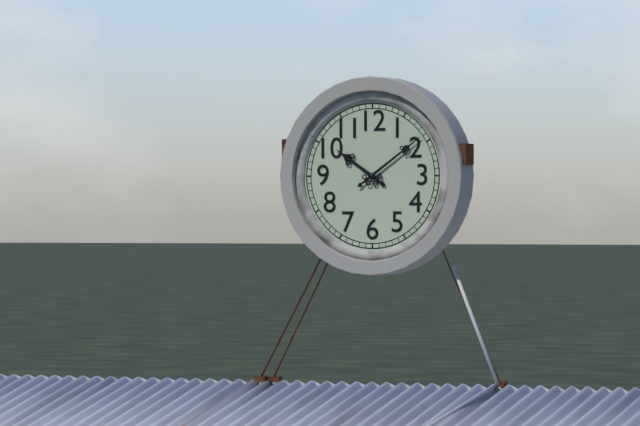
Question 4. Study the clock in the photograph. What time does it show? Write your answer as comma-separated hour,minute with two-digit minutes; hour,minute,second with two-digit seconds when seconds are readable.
10,09
